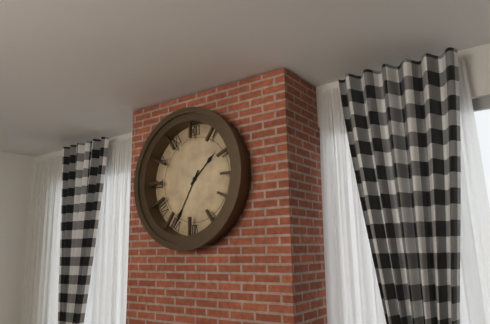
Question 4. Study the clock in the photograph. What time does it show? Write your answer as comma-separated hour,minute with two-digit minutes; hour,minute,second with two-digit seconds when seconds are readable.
1,35
